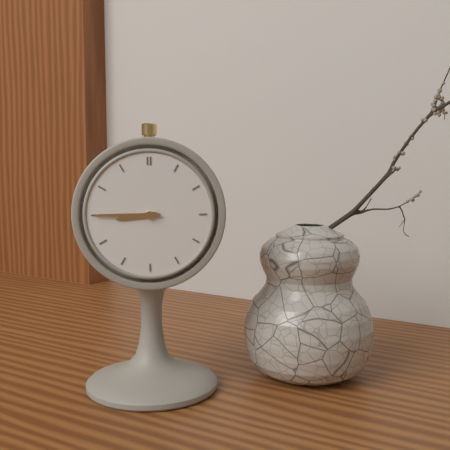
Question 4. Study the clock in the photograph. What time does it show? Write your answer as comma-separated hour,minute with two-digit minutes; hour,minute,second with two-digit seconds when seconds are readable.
8,45
